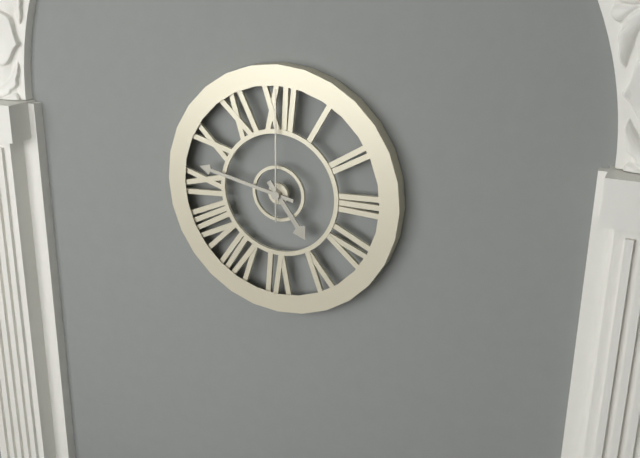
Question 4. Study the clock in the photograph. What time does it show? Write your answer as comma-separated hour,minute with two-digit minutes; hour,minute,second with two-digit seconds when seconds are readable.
4,47,00
